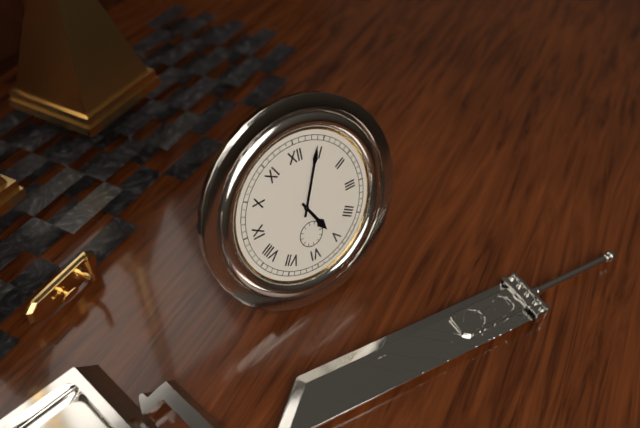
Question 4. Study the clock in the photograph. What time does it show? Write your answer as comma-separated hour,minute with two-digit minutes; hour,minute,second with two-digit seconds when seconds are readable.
5,04
